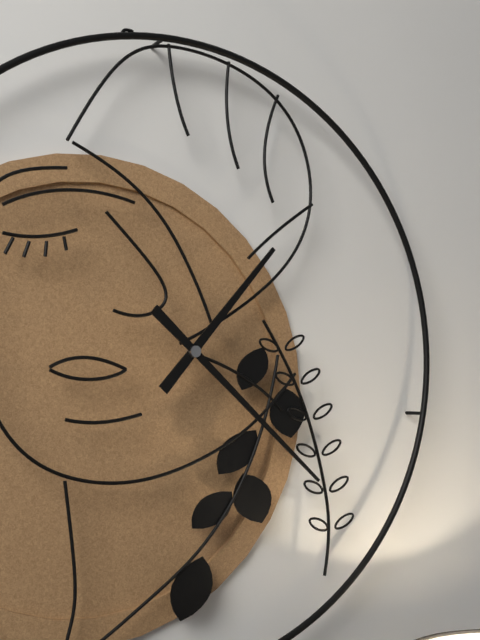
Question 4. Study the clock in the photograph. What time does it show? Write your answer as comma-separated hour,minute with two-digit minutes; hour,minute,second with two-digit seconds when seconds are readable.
1,22
